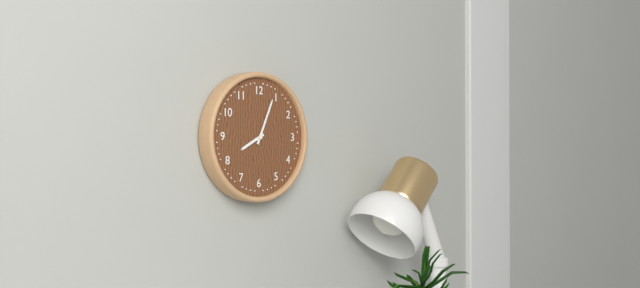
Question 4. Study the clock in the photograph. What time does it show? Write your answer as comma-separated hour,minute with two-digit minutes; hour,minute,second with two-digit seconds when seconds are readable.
8,04
